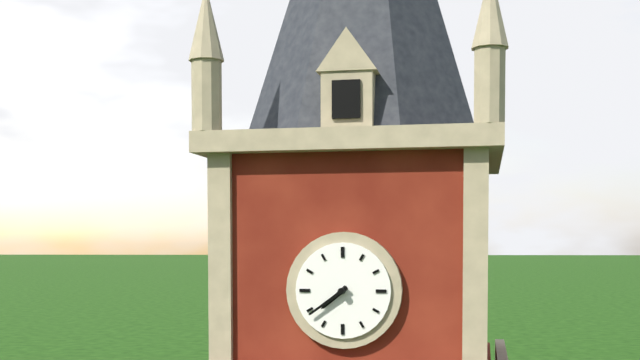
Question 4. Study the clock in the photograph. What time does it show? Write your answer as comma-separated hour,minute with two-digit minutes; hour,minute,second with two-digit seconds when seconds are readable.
7,39
